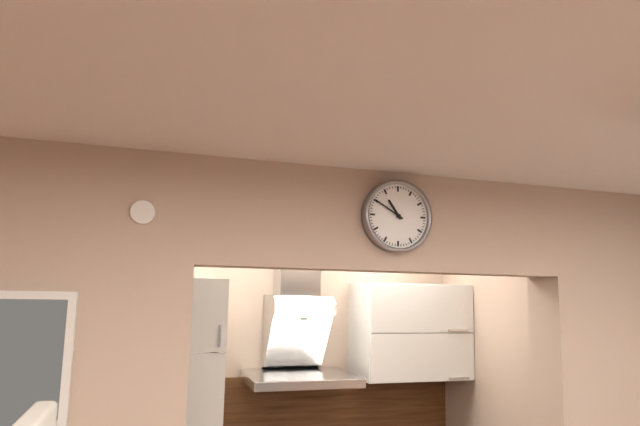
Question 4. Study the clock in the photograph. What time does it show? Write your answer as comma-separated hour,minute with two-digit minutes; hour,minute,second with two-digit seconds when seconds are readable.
10,50
